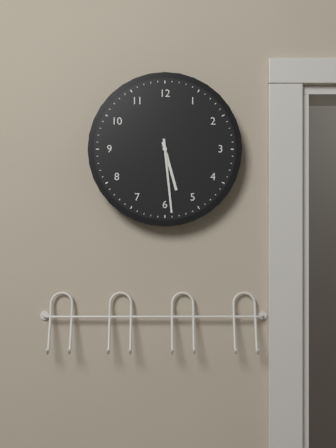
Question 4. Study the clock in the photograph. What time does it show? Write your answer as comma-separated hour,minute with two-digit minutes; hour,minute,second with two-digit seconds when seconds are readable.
5,29
